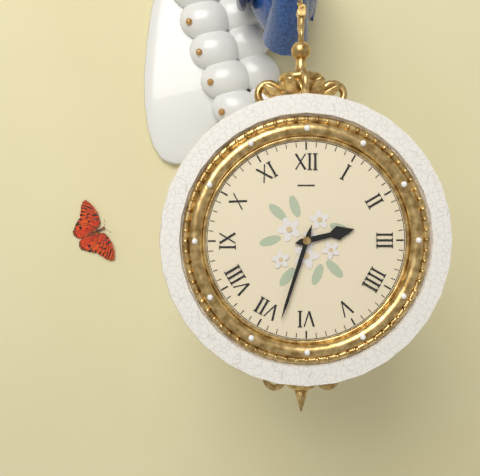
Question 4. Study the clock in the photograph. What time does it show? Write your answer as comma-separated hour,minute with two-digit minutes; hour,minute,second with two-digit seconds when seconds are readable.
2,33
